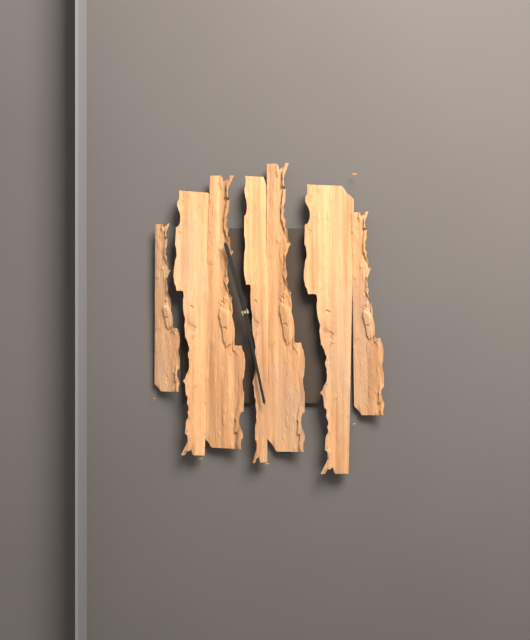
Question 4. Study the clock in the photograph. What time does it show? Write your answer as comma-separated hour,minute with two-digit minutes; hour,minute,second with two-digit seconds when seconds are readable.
11,28
